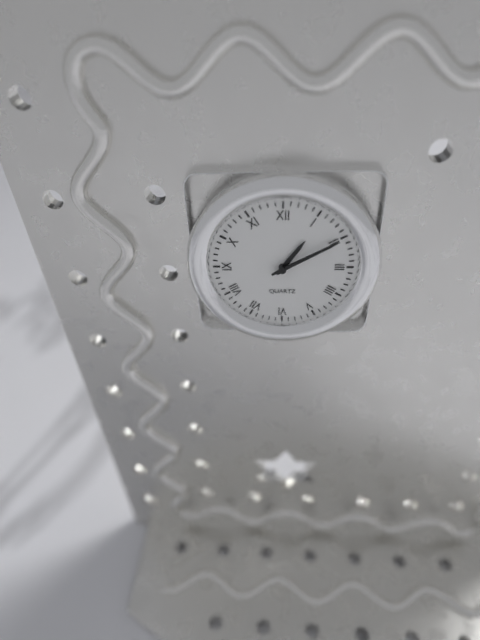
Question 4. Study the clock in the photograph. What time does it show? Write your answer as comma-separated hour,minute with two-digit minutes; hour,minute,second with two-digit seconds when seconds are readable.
1,10
